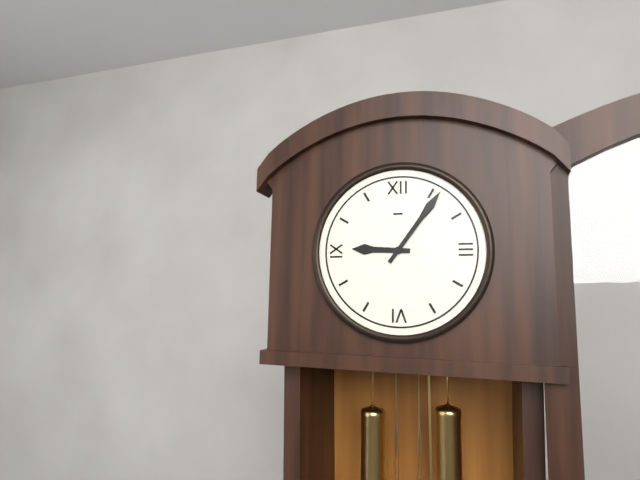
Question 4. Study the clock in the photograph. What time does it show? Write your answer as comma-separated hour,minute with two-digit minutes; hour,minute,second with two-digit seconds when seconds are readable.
9,06
